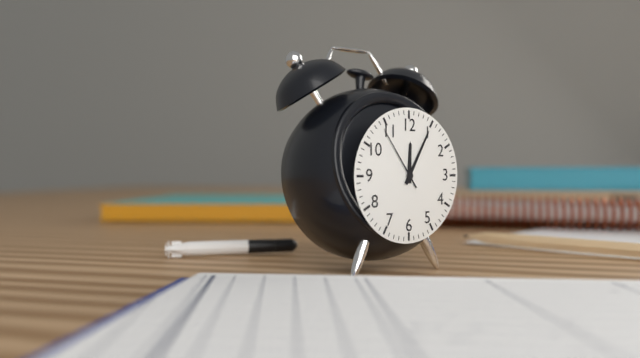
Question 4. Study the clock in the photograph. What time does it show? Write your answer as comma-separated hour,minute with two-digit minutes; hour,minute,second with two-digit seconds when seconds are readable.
12,05,54
